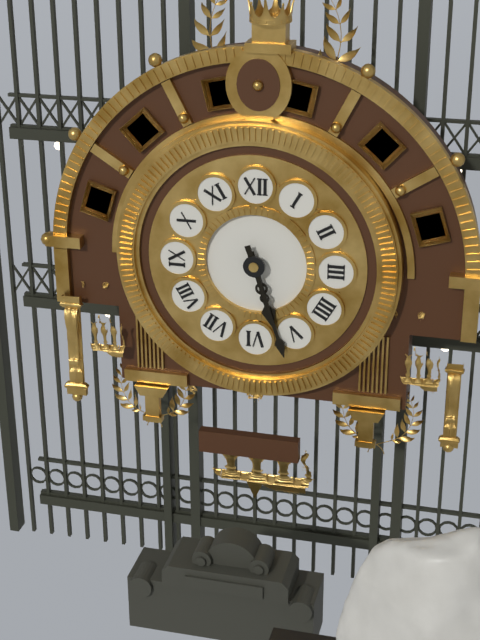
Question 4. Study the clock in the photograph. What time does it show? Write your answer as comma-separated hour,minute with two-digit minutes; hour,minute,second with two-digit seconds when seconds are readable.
5,27
